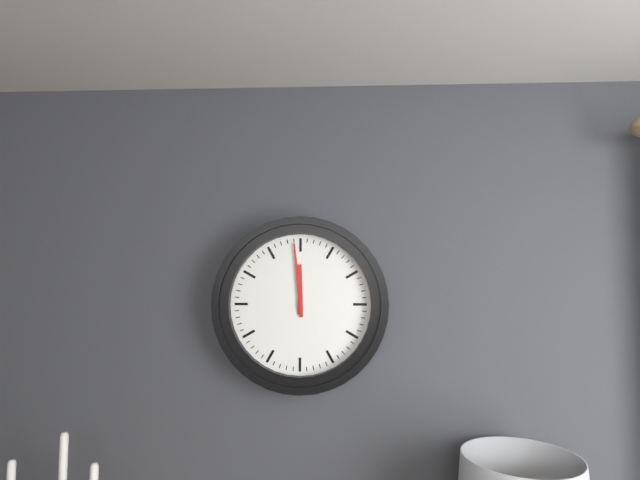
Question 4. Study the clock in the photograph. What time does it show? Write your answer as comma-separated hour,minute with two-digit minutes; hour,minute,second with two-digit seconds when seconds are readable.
11,59
